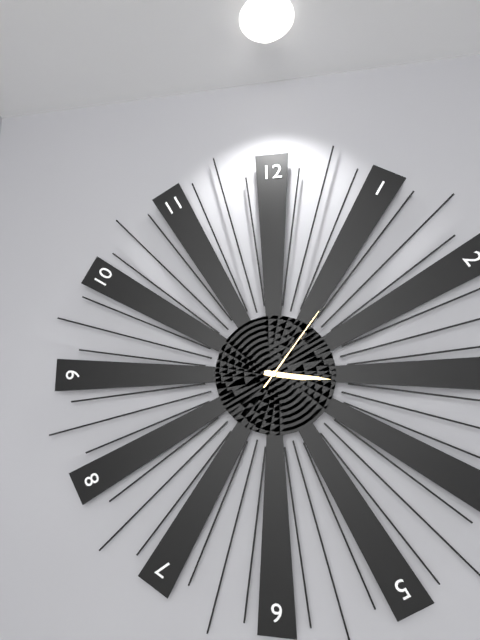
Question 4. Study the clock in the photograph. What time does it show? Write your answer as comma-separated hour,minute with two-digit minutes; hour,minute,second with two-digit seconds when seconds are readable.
3,16,06
